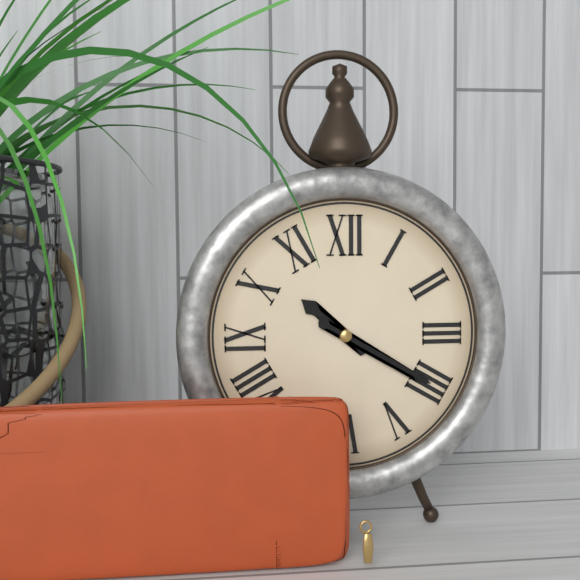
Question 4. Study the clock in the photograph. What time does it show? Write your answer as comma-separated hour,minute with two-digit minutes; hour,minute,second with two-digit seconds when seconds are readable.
10,20
